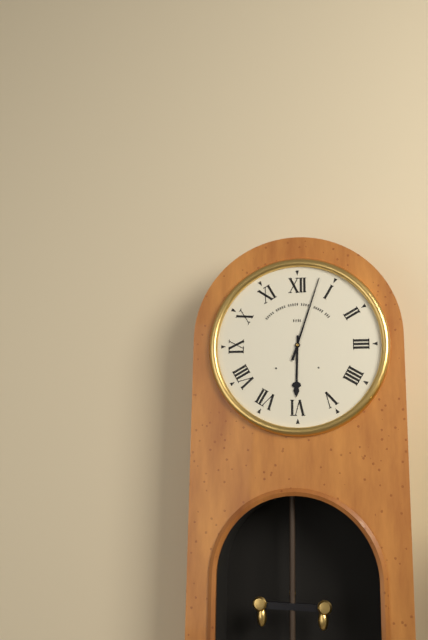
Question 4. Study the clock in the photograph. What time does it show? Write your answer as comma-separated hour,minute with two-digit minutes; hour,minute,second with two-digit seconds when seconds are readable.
6,03
